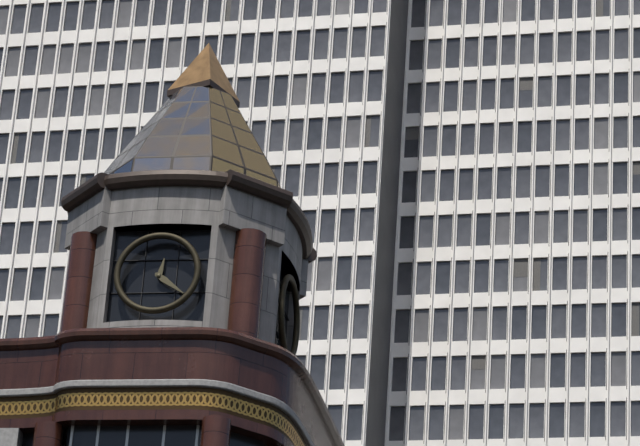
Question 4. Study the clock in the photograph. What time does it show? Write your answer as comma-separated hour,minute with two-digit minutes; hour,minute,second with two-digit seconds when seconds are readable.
12,21
